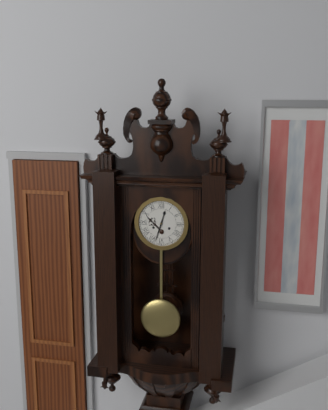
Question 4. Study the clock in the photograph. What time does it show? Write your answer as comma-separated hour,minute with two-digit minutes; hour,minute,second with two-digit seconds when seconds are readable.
12,33
